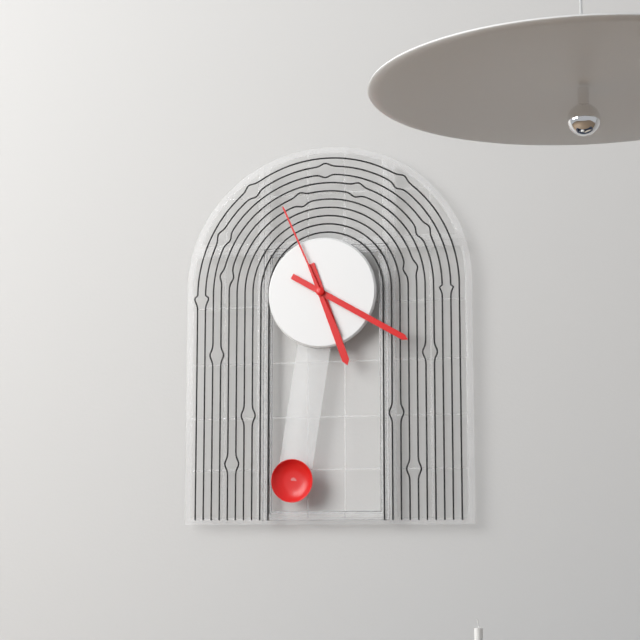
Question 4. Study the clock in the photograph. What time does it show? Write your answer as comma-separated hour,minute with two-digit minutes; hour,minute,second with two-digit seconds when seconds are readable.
5,20,56
